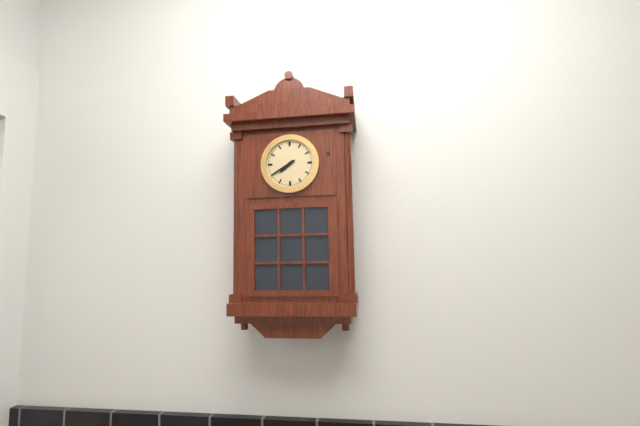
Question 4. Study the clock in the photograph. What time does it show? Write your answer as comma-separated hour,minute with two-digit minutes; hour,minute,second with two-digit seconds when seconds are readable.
7,40
